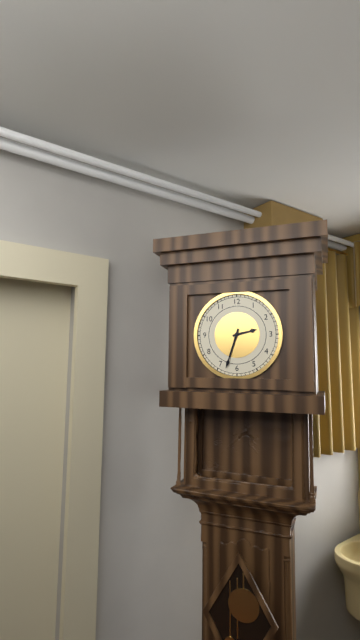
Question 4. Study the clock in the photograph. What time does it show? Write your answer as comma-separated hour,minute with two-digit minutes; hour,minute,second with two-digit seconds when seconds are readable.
2,33
